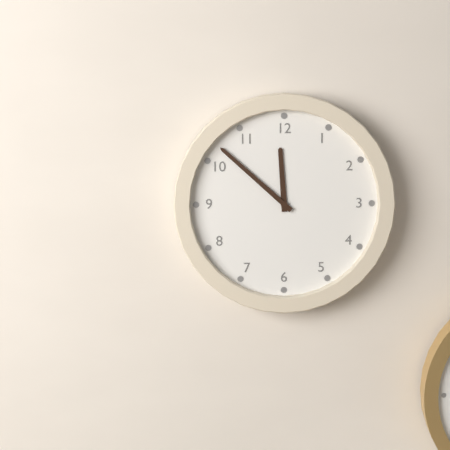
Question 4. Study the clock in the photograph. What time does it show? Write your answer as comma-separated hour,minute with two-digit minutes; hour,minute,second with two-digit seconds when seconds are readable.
11,52
